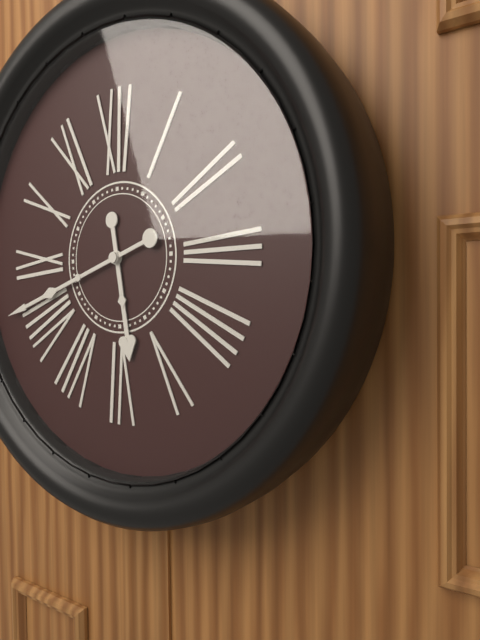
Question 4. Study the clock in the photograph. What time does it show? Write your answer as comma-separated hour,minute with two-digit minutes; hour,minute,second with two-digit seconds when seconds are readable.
5,42
